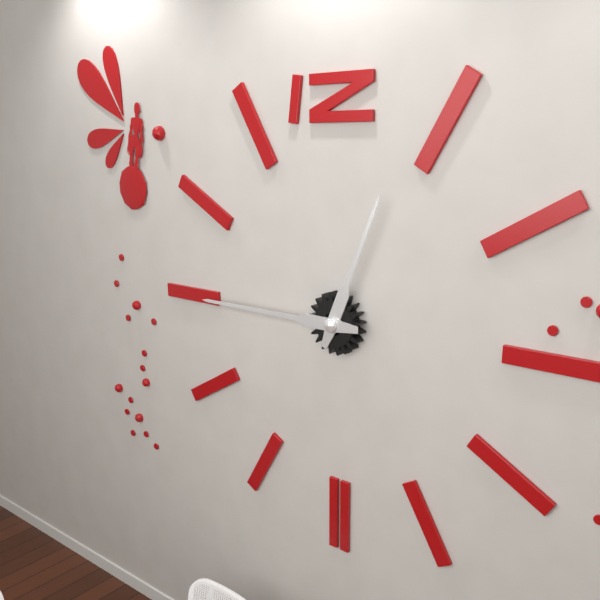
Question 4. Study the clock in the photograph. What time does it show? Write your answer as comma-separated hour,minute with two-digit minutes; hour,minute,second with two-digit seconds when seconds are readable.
12,45
